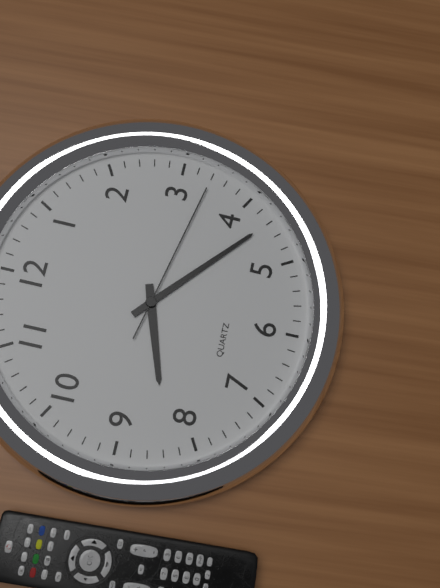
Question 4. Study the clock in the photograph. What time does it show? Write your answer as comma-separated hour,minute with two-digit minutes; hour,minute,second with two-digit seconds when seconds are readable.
8,22,17
